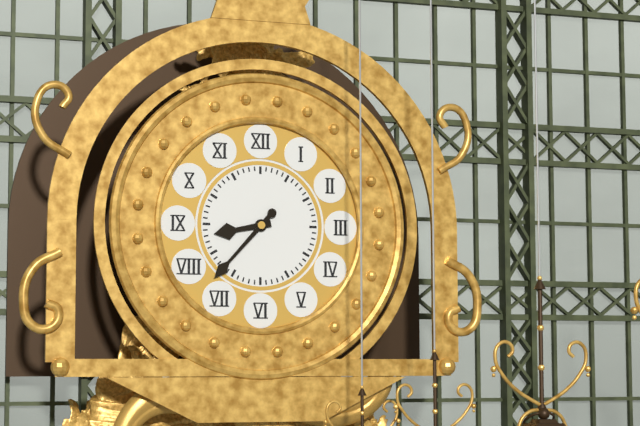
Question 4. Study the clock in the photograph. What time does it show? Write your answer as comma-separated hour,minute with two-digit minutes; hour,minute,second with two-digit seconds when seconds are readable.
8,37
